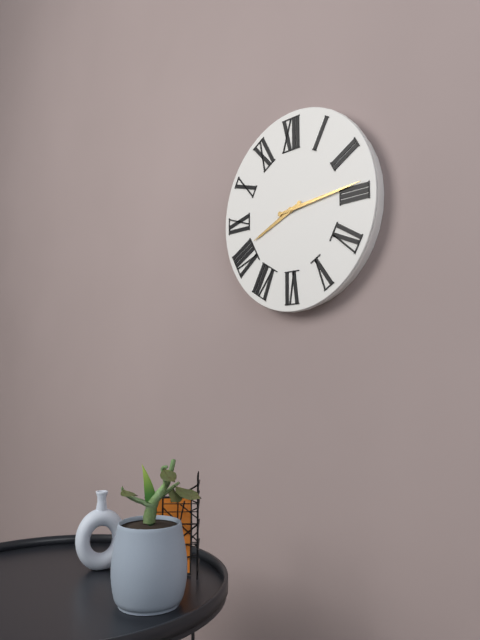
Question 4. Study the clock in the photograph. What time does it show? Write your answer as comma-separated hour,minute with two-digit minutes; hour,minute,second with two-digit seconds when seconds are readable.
8,14
